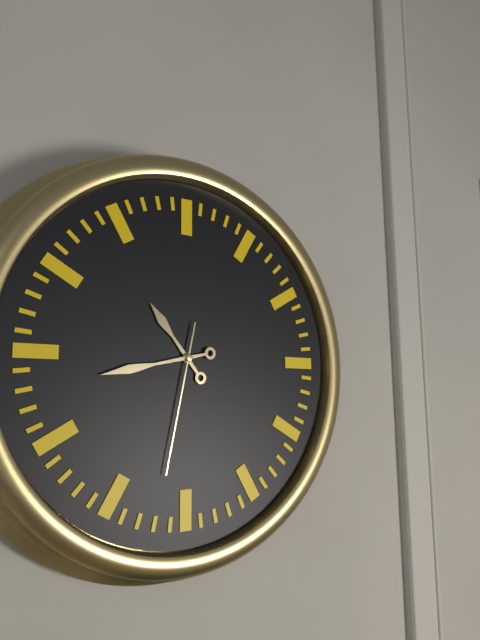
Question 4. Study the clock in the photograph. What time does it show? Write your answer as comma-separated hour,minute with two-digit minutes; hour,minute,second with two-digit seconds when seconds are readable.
10,43,32
